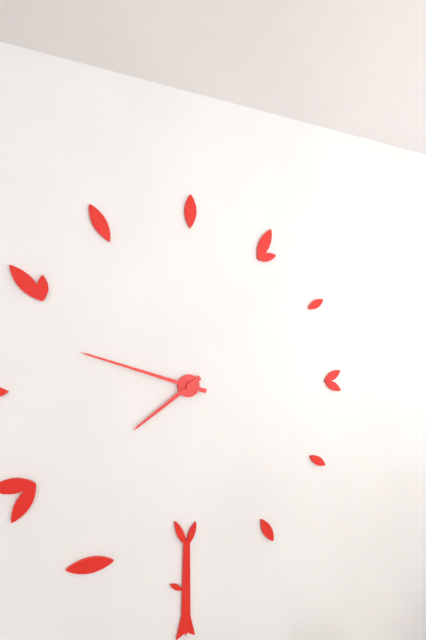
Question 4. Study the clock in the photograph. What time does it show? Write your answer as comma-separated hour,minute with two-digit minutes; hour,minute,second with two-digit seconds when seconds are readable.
7,48
